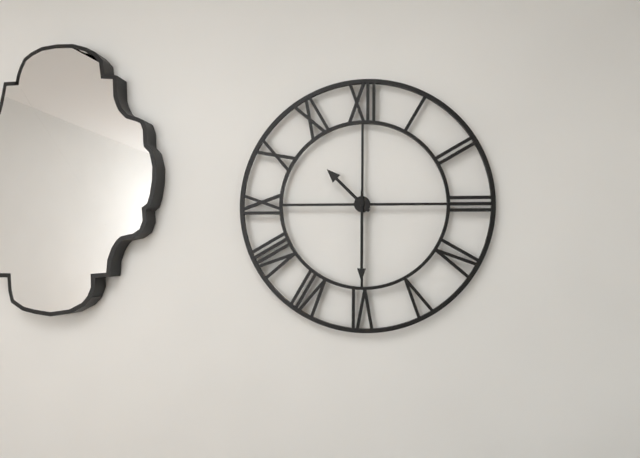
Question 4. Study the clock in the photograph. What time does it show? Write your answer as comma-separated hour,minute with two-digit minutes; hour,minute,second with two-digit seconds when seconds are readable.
10,30
